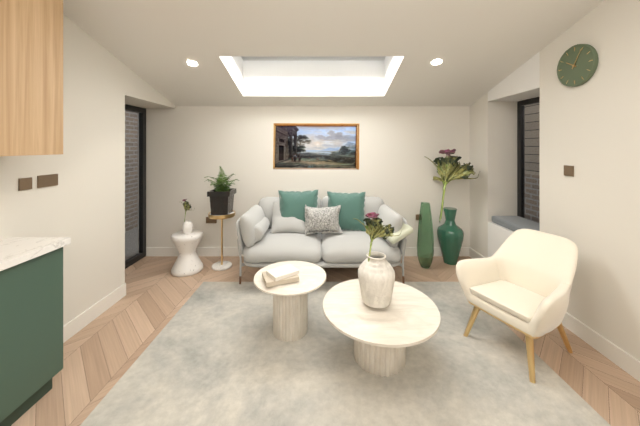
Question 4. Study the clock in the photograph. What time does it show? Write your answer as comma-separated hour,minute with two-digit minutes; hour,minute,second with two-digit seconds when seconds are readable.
10,05
